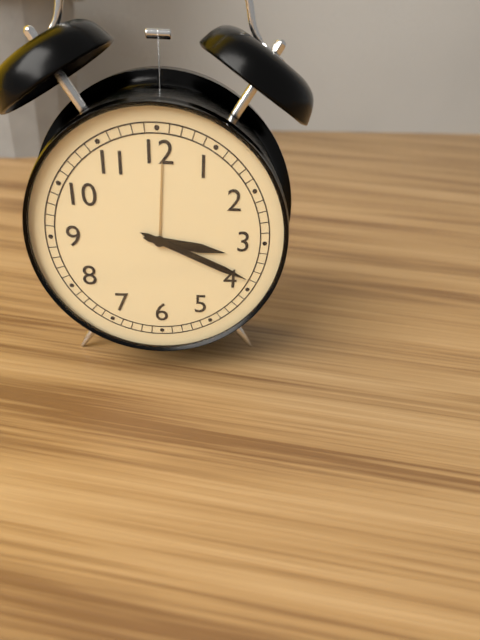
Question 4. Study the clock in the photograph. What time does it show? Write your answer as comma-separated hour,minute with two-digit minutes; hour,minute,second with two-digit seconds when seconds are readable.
3,19
